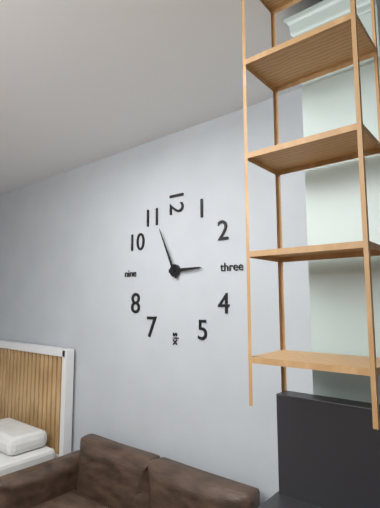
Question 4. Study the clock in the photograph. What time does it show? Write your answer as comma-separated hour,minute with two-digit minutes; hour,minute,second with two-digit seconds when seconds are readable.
2,56
